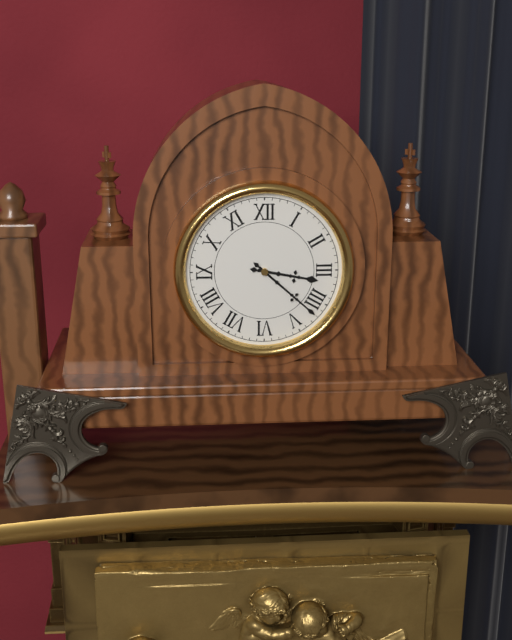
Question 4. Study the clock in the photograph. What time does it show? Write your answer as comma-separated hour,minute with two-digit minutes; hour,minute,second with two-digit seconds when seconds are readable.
3,22
